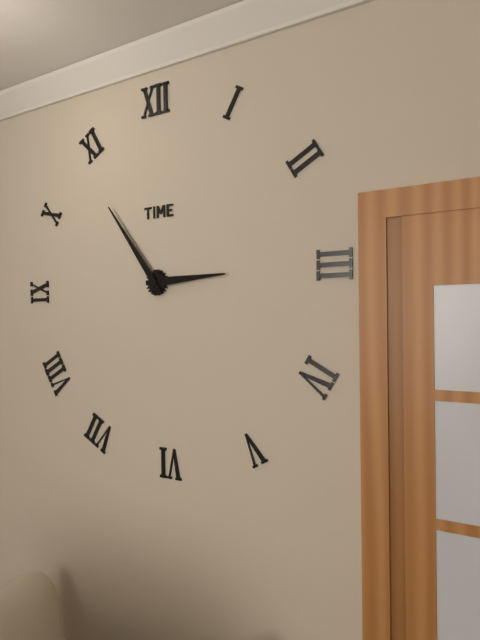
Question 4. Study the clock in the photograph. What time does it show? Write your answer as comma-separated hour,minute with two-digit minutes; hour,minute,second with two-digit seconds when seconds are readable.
2,54
